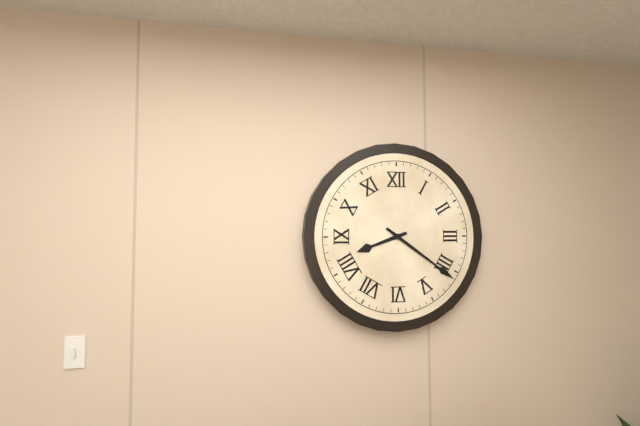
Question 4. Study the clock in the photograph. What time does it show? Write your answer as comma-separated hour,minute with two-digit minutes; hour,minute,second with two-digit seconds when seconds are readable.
8,21
